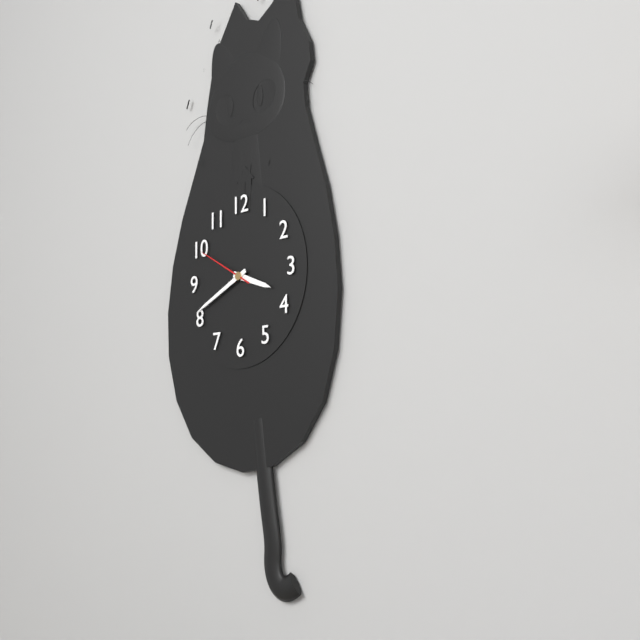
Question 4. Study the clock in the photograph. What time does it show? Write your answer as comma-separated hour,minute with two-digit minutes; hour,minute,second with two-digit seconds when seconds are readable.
3,41,50
